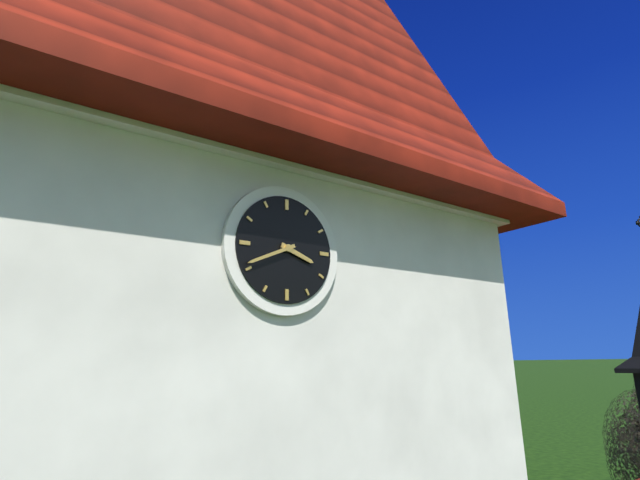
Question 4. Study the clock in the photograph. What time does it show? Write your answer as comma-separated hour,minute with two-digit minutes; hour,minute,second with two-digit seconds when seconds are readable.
3,41
